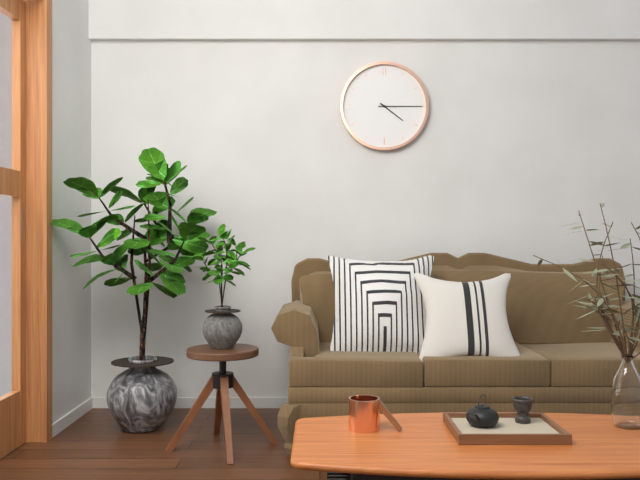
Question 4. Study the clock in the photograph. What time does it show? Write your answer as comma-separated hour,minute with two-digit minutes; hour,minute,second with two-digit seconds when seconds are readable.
4,15
